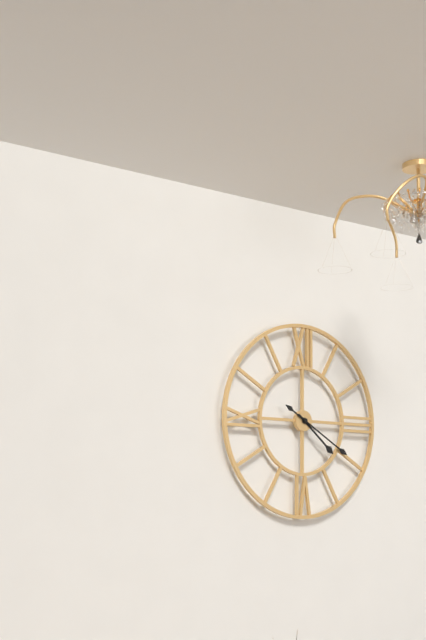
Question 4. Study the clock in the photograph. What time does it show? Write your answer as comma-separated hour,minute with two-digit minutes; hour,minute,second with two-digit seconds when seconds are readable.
4,20
